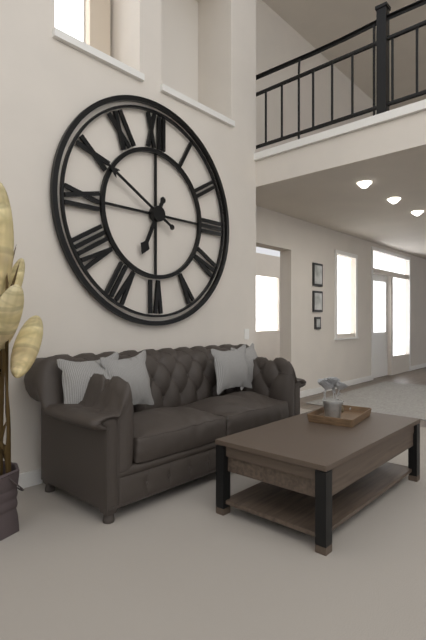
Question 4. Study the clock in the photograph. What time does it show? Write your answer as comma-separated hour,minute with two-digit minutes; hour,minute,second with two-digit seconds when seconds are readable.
6,50
